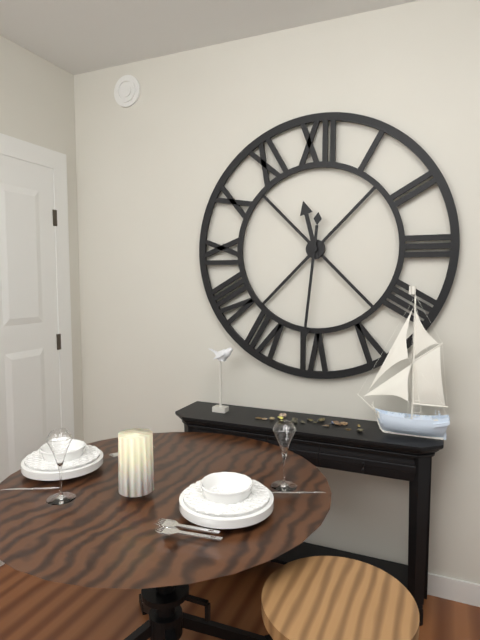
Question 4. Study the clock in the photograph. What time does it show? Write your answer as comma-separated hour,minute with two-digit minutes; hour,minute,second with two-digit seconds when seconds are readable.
11,31
